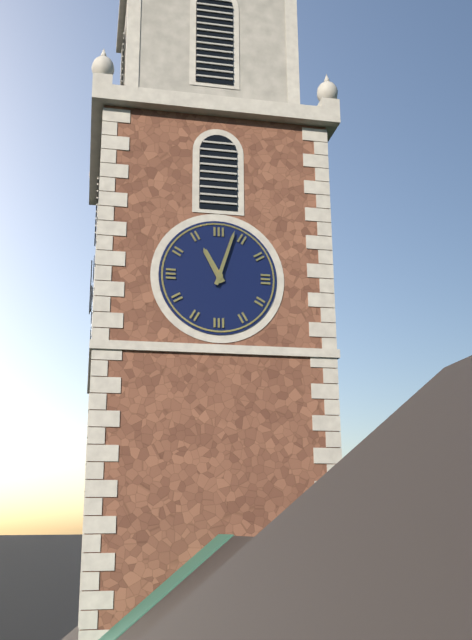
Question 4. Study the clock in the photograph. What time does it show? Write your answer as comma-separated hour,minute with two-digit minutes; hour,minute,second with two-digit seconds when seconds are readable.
11,03
